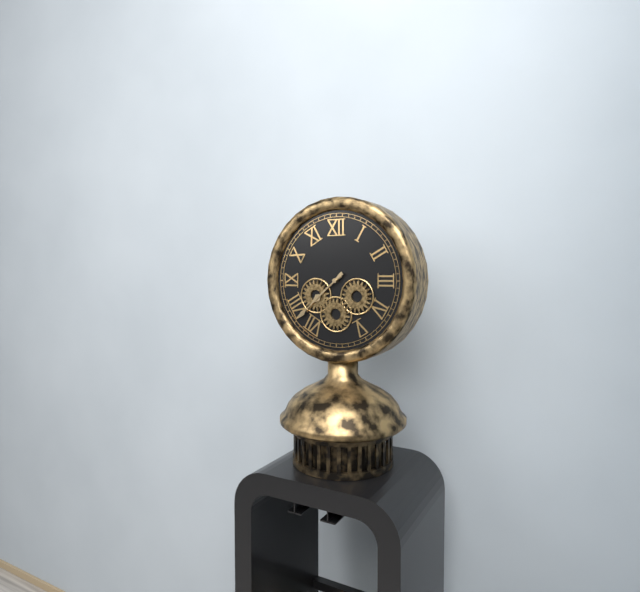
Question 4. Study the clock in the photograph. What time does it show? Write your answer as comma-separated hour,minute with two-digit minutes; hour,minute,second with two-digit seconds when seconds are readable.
7,38
